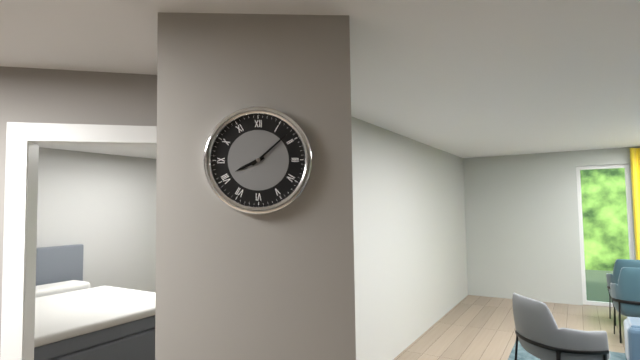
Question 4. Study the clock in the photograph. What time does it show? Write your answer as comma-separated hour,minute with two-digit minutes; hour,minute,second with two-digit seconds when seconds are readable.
8,08
